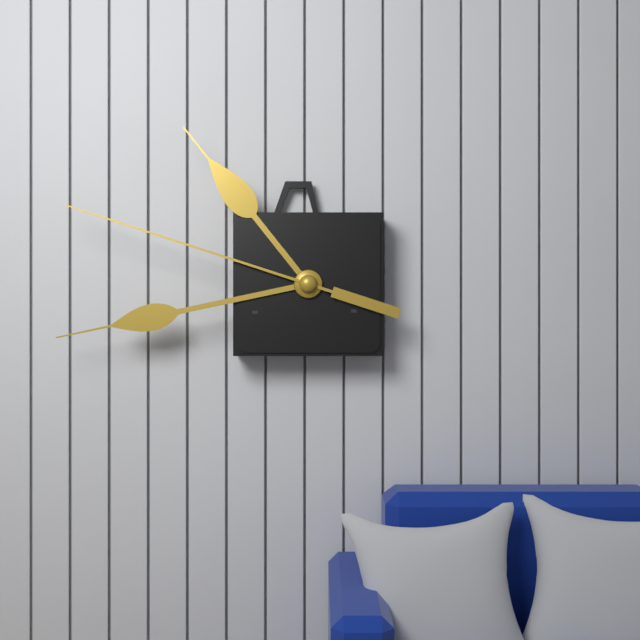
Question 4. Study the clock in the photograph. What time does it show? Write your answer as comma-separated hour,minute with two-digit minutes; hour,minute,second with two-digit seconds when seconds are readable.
10,43,48
